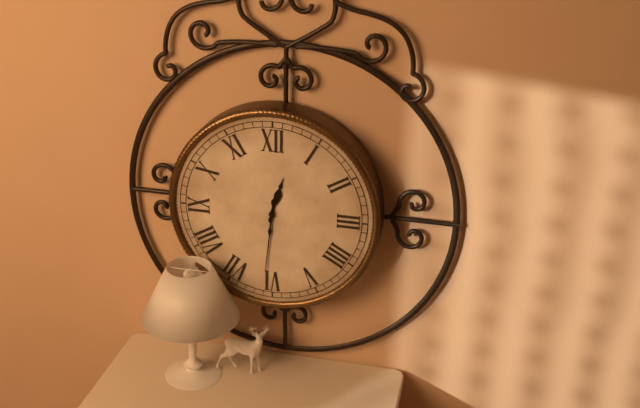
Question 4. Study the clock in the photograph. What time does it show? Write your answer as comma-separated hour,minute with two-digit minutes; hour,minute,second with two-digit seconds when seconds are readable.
12,31
